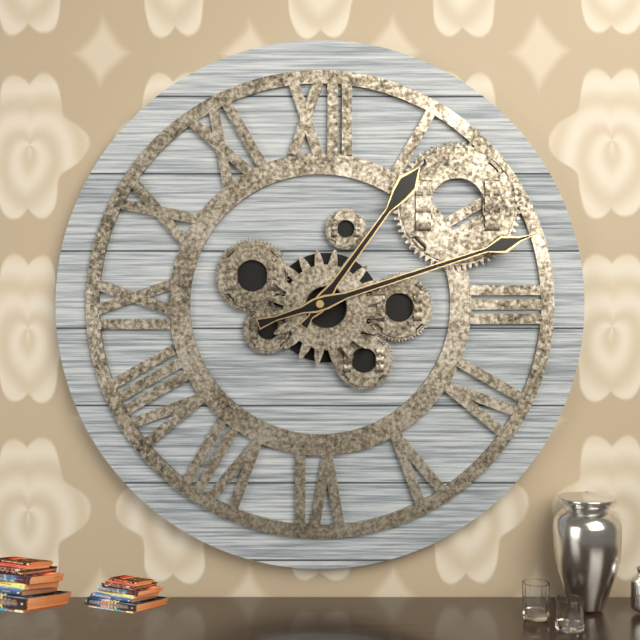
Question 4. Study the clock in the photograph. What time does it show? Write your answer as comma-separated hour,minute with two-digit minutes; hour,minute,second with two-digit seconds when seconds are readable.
1,12
